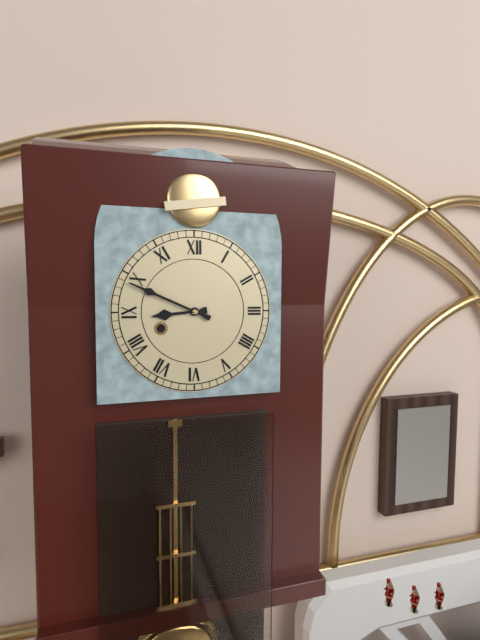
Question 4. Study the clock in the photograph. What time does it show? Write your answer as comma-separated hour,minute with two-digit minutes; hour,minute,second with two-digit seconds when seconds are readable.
8,49
